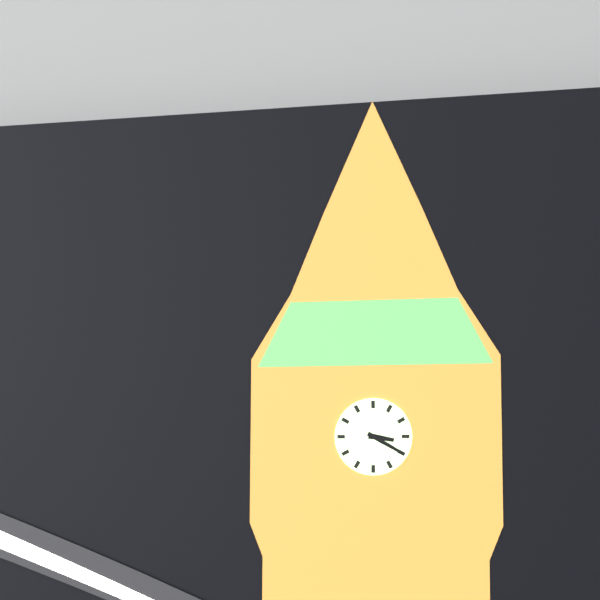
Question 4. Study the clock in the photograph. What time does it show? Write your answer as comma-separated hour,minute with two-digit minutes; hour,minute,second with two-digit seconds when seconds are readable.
3,20
